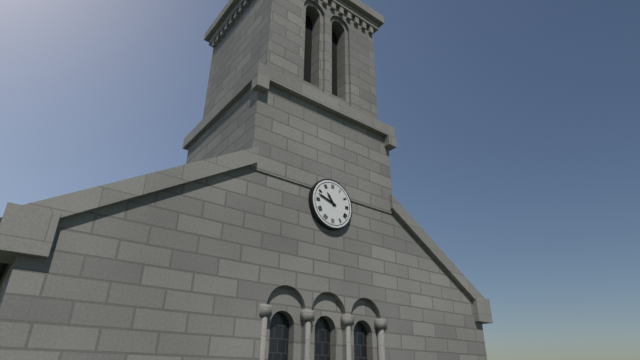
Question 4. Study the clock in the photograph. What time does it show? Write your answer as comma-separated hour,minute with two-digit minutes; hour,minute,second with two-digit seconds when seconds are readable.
10,48
